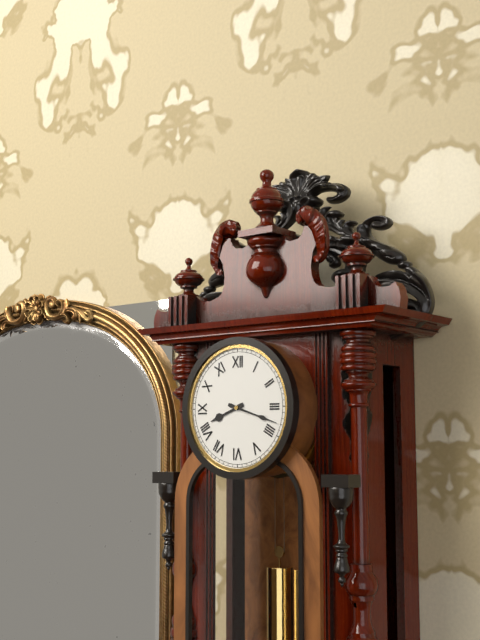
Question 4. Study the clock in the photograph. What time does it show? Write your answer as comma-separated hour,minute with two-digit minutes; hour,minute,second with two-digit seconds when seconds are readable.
8,18
